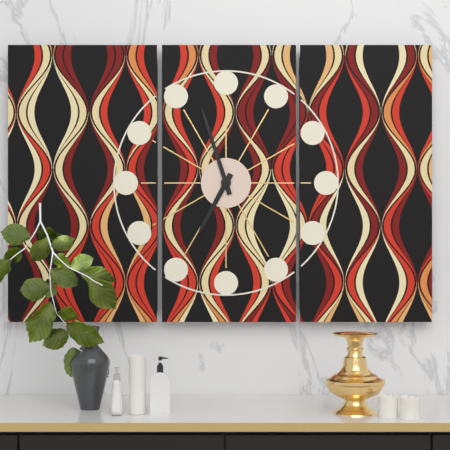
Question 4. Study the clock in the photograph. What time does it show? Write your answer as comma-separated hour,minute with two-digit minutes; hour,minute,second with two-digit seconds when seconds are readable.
6,57
